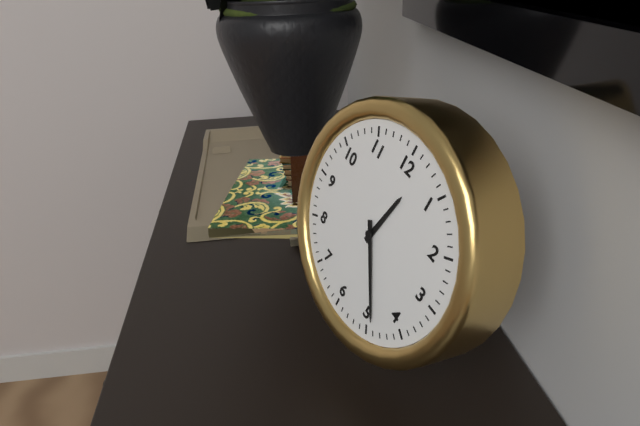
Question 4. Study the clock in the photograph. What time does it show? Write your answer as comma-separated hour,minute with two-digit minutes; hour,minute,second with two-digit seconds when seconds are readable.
12,24
